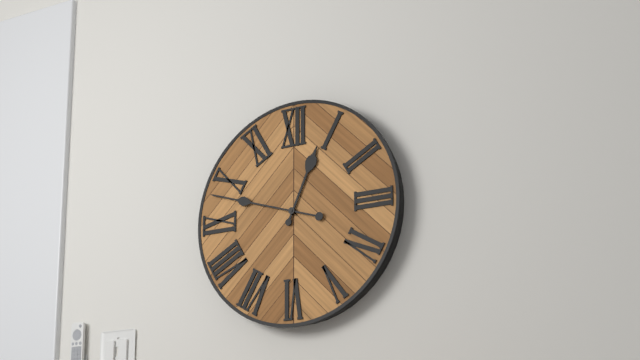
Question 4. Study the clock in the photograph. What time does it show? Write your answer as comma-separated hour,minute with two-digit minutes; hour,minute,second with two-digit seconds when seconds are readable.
12,48
